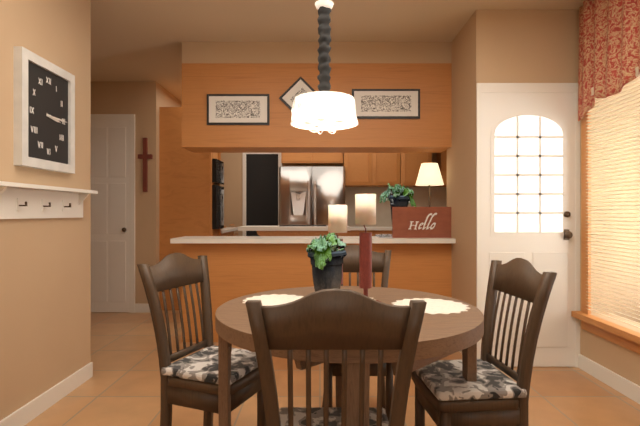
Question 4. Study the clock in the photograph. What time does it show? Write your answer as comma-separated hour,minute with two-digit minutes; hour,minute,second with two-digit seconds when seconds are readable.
3,15
